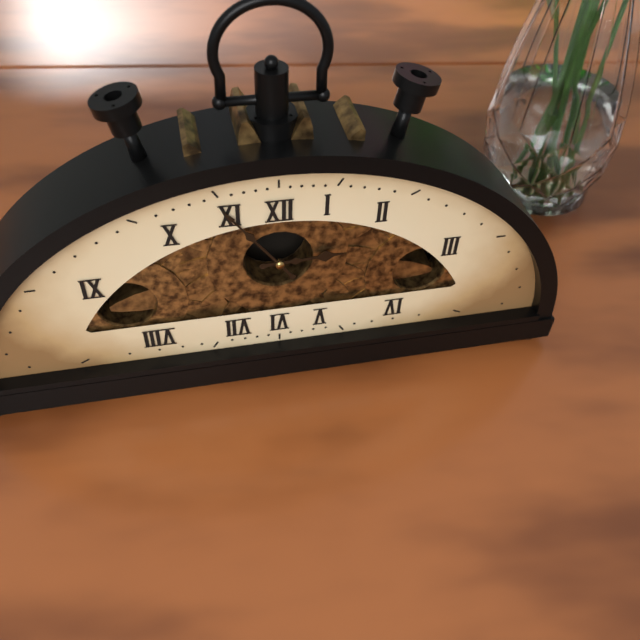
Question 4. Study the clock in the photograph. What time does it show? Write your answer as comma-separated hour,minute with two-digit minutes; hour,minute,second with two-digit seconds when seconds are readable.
2,54
